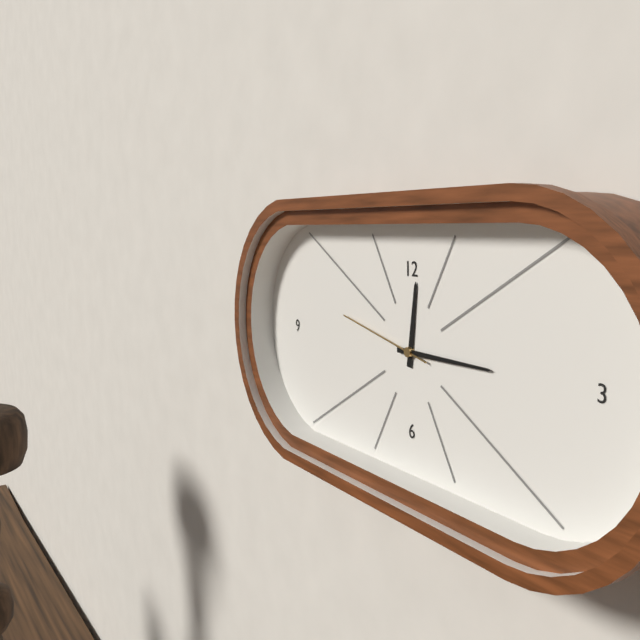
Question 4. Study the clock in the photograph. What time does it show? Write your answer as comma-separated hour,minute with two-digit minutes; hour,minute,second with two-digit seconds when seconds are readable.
12,15,47
